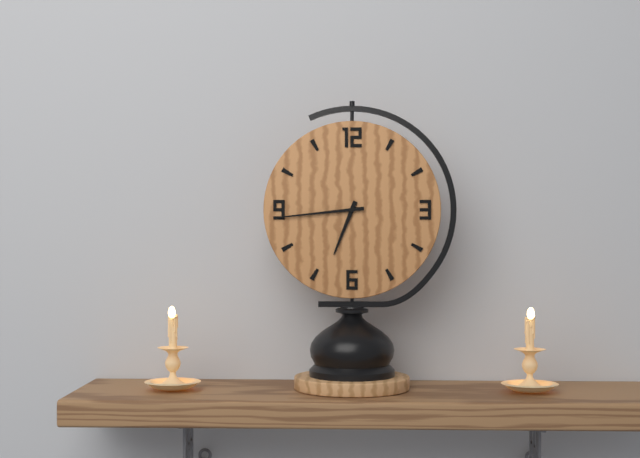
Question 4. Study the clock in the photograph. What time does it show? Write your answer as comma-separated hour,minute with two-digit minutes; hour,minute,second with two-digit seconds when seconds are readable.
6,44
